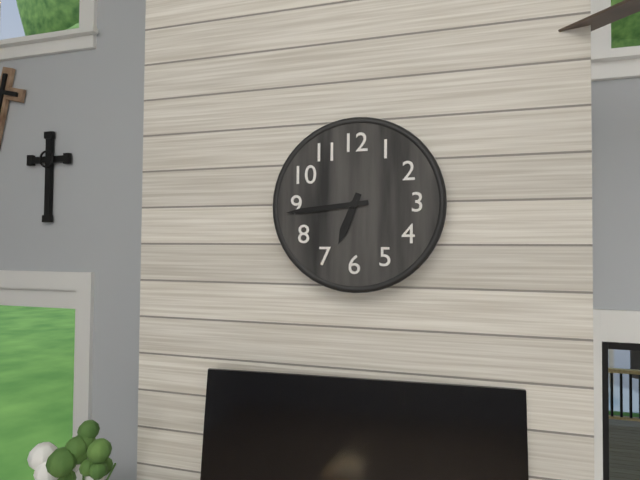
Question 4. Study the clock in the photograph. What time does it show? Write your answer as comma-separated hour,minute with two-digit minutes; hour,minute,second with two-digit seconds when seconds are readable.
6,44
